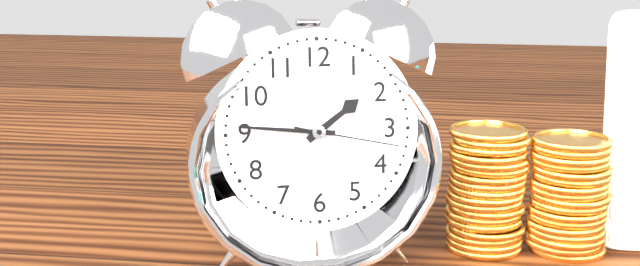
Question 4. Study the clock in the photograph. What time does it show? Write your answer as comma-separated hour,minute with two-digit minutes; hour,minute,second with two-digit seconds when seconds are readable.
1,46,17
